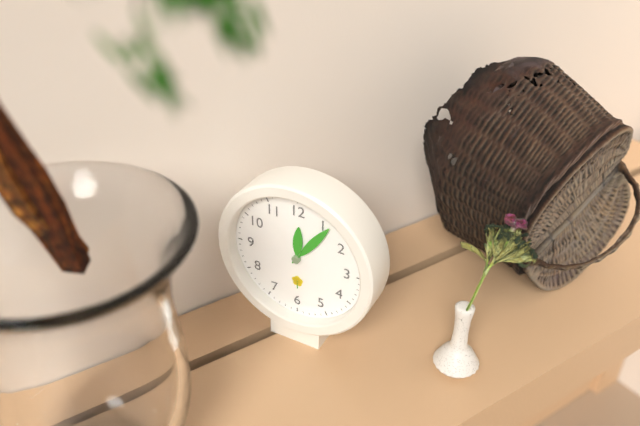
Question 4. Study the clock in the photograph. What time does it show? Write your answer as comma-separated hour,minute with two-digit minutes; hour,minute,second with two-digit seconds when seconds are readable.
12,06
